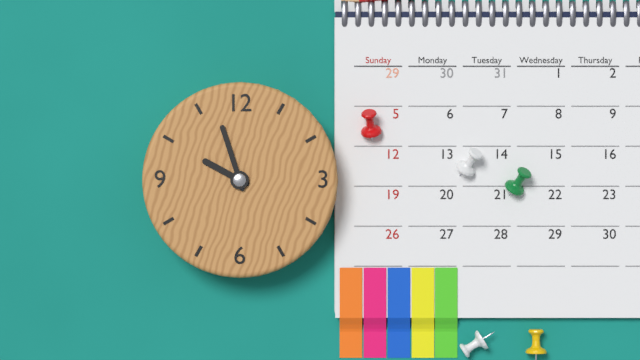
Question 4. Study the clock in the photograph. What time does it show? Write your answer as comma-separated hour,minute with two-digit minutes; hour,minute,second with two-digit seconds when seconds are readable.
9,57
